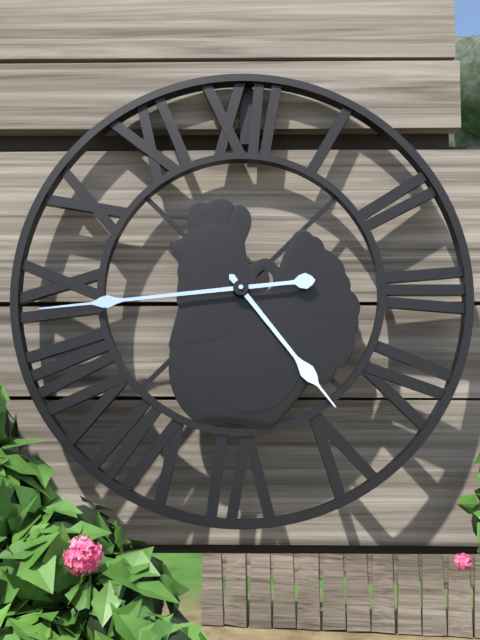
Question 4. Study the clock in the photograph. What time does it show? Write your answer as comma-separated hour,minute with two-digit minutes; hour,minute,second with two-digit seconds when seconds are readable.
4,44
